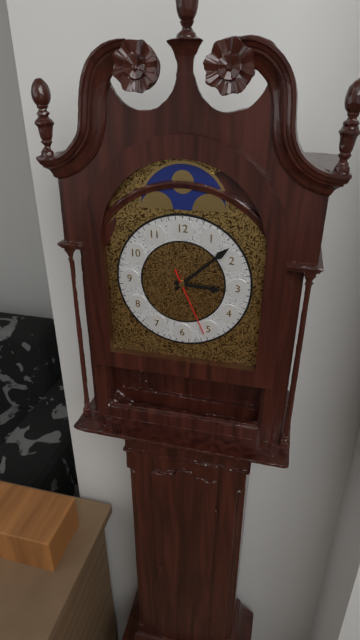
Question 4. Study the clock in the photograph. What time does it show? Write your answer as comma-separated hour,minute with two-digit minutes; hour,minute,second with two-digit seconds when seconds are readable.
3,08,26
